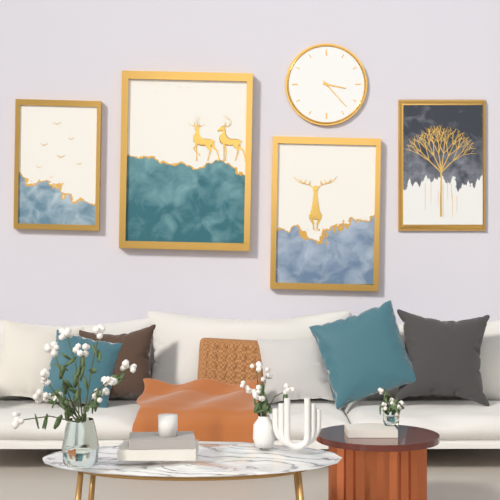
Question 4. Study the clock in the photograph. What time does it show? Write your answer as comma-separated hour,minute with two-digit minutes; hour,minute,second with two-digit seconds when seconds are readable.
3,23
